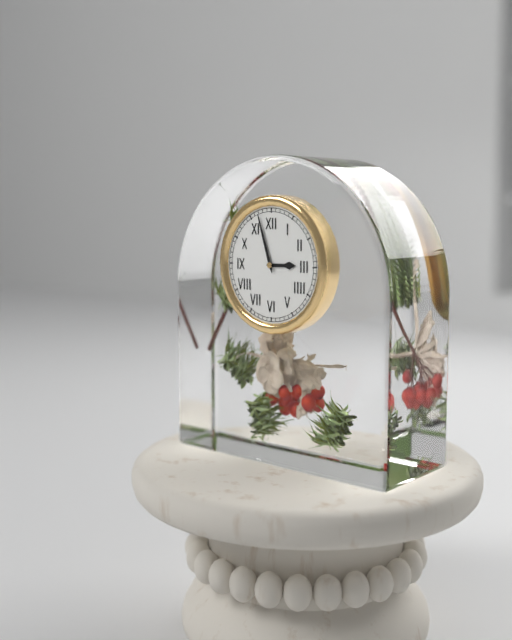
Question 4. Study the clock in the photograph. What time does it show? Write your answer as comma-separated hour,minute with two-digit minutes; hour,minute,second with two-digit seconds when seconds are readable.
2,57
